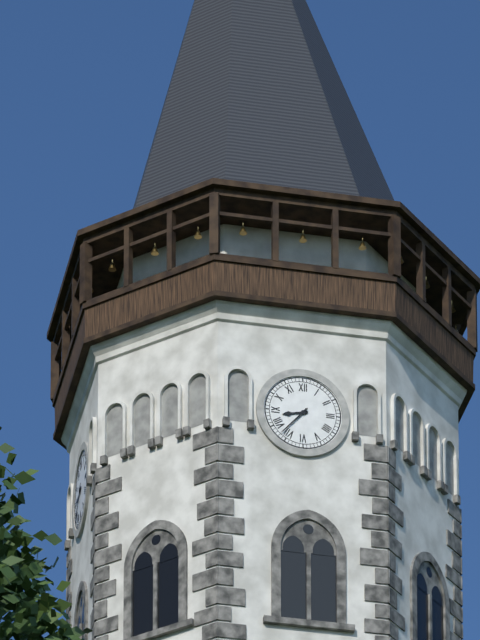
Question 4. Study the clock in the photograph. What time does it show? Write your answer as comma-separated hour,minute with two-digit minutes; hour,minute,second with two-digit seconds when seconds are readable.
8,37
